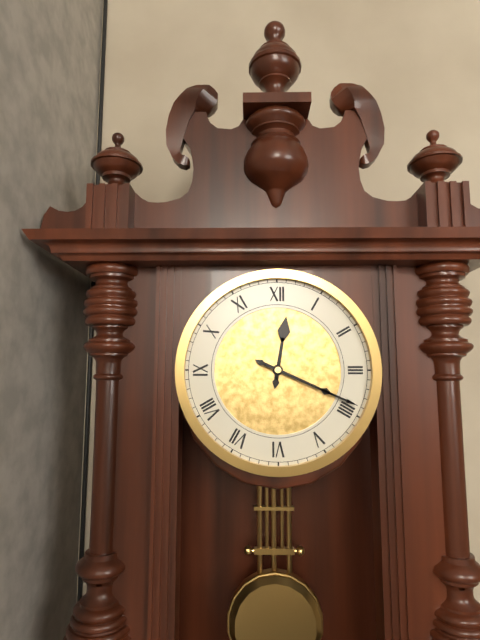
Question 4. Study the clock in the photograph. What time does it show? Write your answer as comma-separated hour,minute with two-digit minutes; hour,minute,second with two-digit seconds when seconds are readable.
12,19
